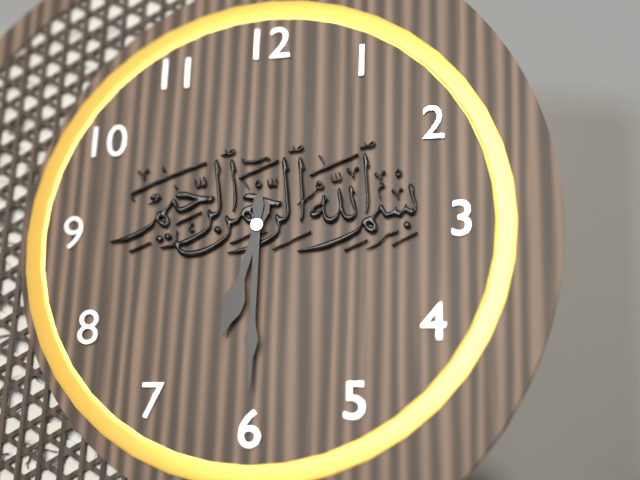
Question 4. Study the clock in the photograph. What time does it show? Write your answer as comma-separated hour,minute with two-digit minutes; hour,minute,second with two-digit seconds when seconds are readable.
6,30
